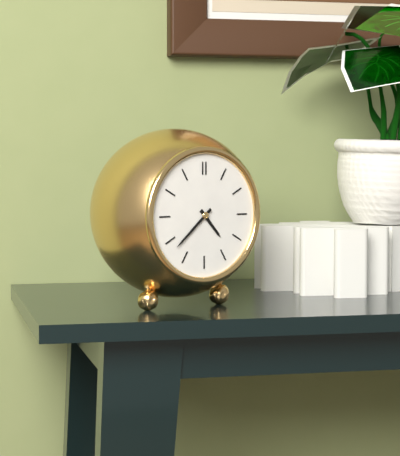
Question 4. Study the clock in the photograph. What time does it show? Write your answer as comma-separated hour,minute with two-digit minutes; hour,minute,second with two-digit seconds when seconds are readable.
4,38
